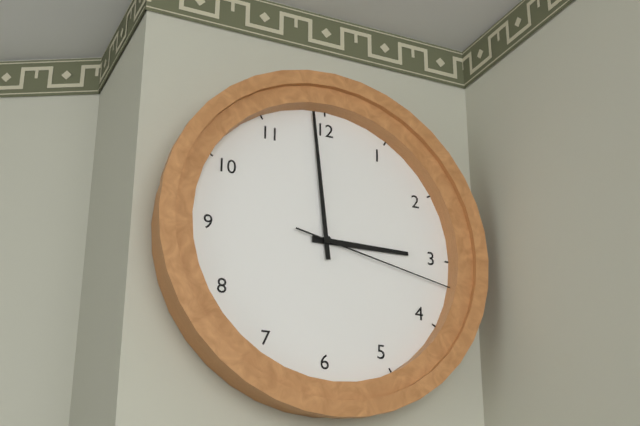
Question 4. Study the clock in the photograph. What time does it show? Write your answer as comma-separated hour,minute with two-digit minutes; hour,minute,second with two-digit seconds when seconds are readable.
2,59,17
